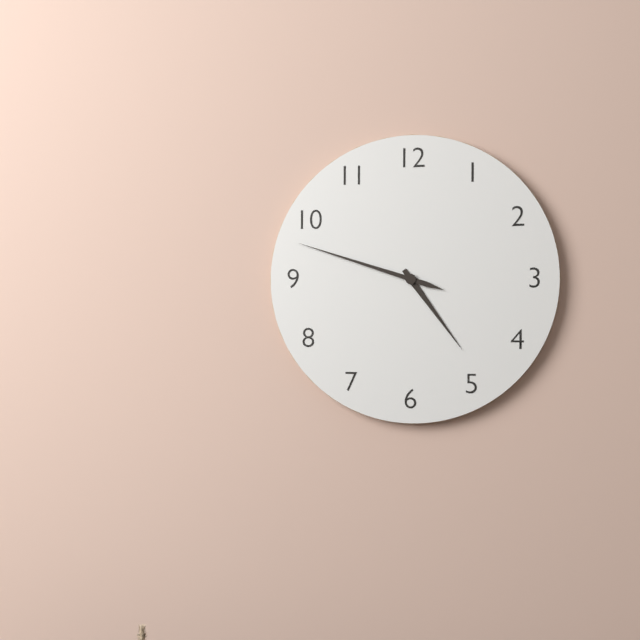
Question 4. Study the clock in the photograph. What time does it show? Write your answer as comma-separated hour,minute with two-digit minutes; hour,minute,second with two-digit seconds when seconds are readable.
4,48
